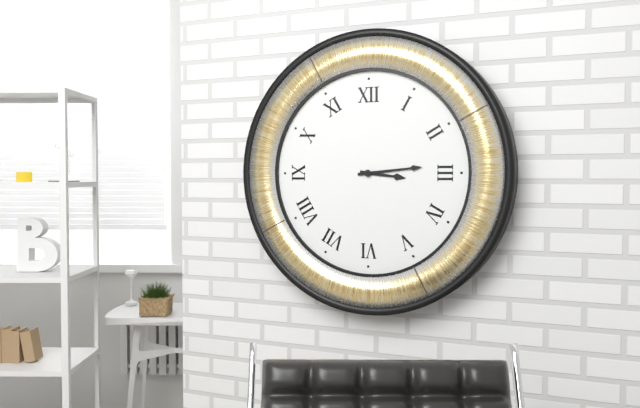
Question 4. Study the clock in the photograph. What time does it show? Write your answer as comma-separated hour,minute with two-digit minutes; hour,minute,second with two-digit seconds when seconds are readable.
3,14
